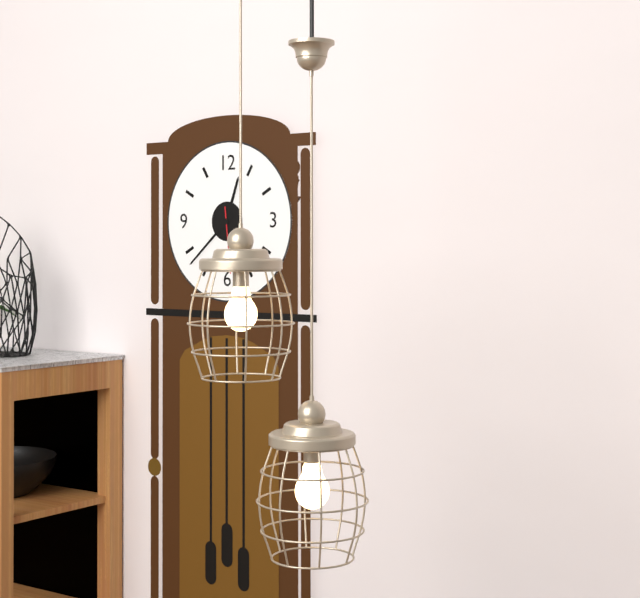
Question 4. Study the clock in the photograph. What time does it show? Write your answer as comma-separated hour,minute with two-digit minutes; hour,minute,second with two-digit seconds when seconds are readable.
12,38
